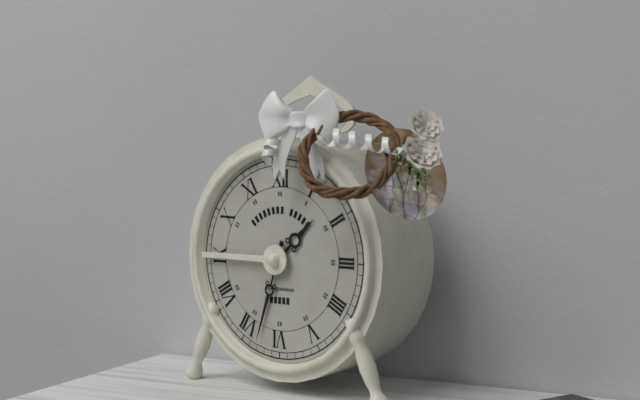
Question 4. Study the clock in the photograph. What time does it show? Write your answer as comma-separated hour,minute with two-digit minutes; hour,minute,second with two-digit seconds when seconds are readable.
1,33
